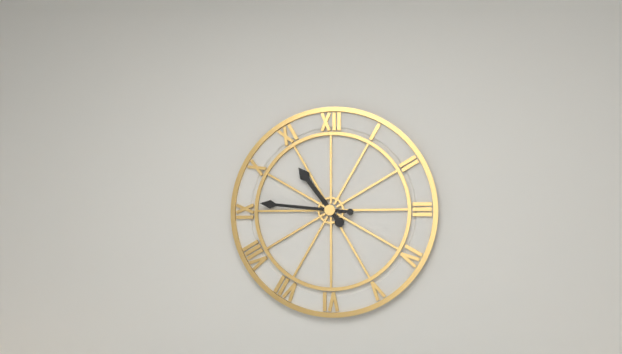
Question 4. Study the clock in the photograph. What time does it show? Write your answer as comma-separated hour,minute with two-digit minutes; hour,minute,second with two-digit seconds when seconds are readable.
10,46
